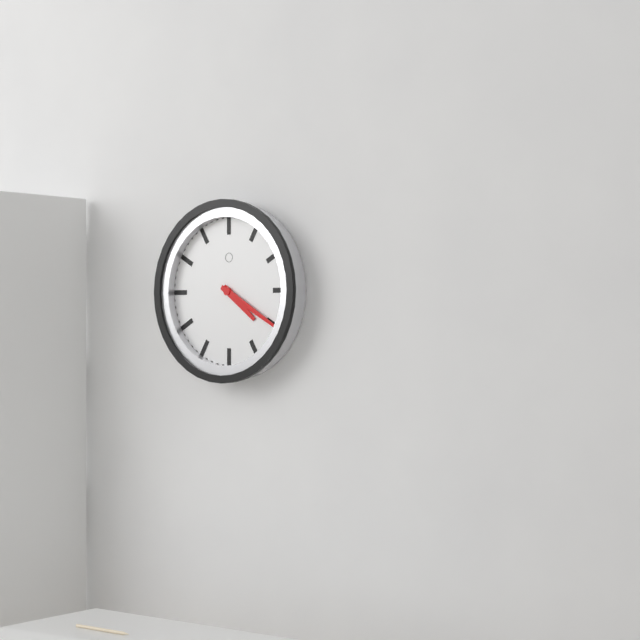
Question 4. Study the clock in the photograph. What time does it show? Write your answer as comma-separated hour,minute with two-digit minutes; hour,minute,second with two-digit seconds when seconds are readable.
4,20
